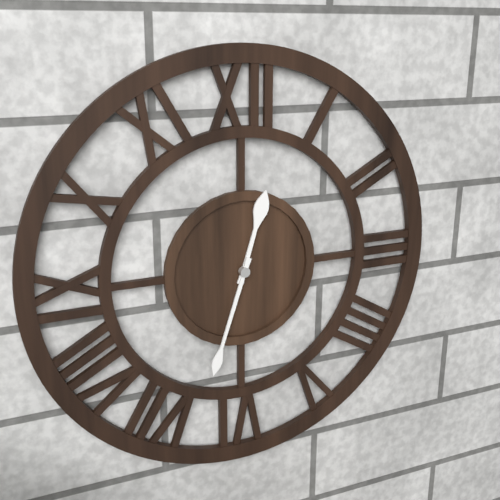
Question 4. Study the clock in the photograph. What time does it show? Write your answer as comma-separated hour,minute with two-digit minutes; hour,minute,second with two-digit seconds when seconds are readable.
12,33
